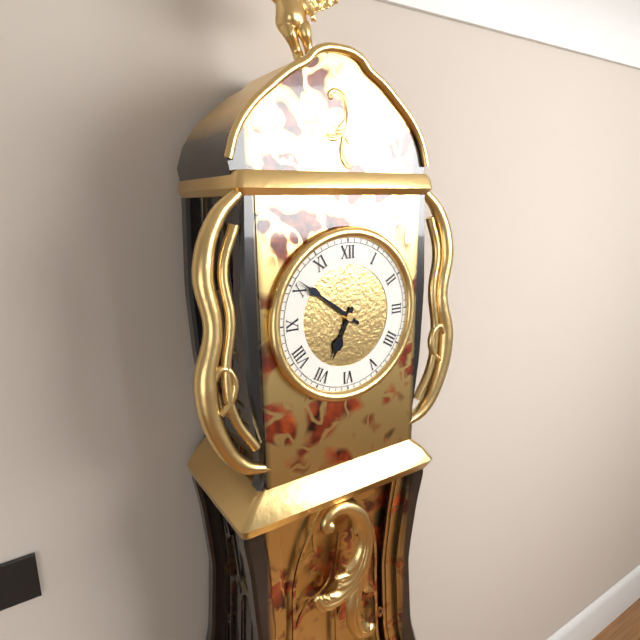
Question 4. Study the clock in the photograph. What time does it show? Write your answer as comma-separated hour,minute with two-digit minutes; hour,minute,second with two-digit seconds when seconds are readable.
6,51
